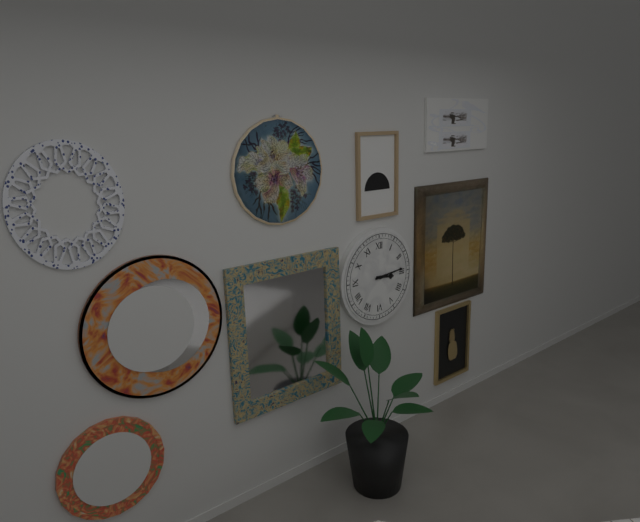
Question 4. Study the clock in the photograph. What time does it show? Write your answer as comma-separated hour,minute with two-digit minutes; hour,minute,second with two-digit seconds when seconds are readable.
3,14
